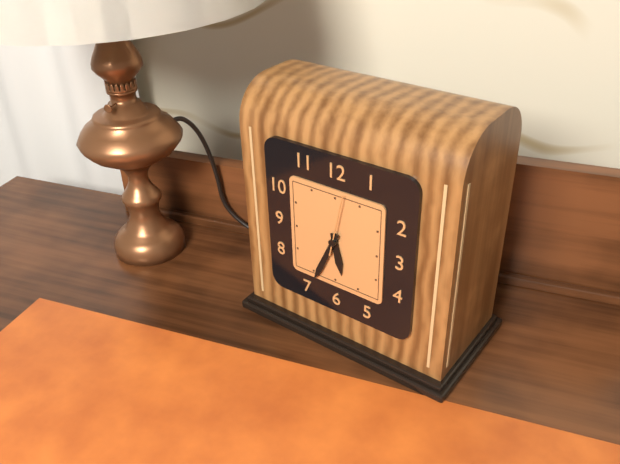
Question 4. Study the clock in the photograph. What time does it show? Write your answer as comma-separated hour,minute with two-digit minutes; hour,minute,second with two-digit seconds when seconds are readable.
5,34,02
